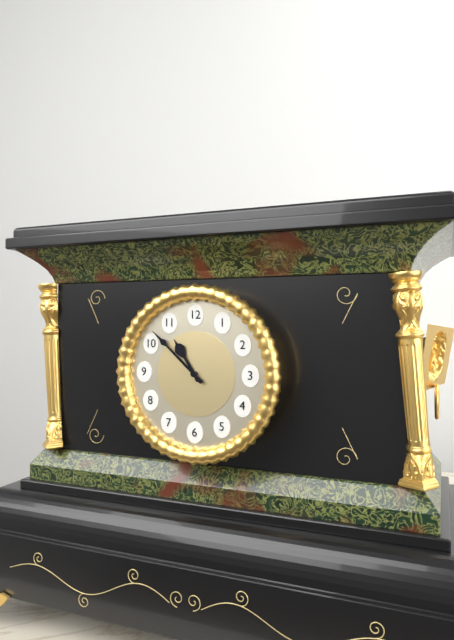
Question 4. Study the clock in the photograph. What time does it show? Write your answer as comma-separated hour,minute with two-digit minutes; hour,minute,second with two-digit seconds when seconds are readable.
10,52
